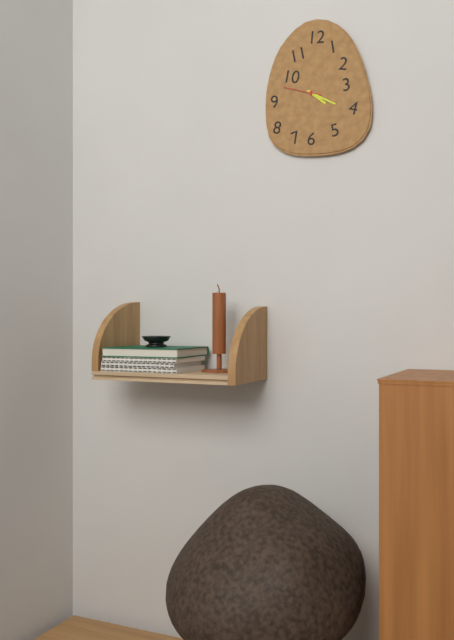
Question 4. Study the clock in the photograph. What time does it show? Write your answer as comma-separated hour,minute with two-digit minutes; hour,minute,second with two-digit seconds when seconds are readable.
4,20
